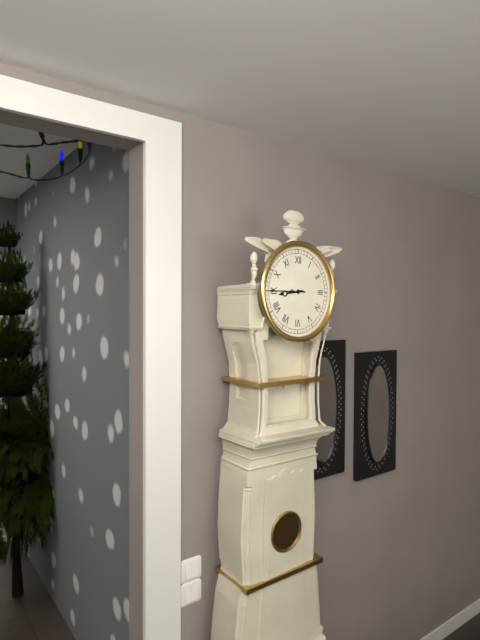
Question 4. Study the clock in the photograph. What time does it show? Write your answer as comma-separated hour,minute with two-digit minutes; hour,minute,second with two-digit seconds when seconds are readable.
8,45
